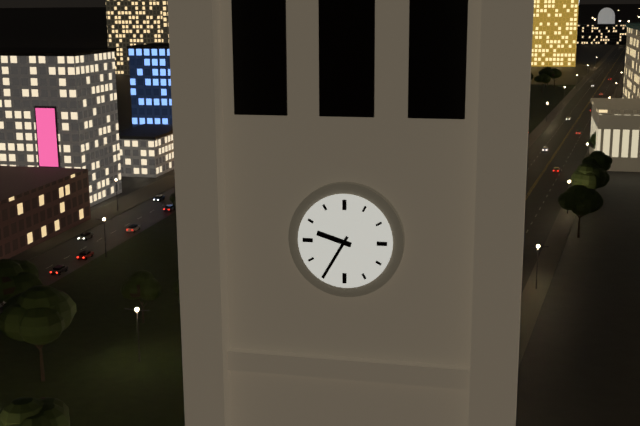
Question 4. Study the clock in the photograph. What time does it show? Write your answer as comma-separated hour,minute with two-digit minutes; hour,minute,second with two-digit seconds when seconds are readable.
9,35
